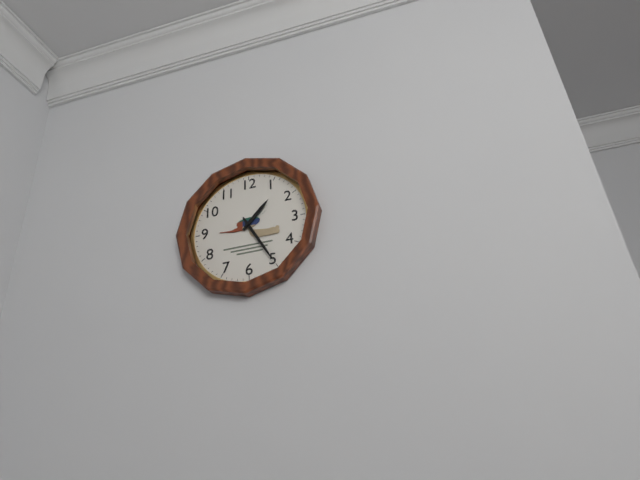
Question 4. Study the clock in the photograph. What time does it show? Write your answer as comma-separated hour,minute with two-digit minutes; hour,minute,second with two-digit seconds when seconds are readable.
1,25
